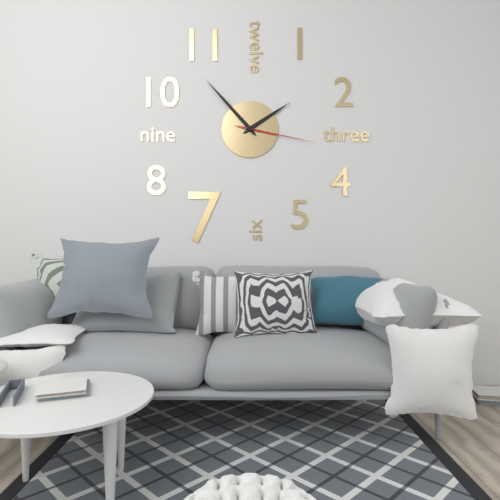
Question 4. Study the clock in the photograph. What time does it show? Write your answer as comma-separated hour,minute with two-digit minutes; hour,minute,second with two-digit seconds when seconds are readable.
1,53,17
